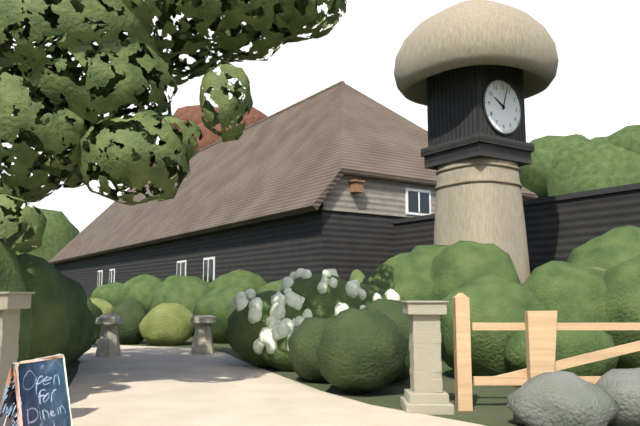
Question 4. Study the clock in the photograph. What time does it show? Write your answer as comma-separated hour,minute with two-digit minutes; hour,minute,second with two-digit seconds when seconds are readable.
10,03
